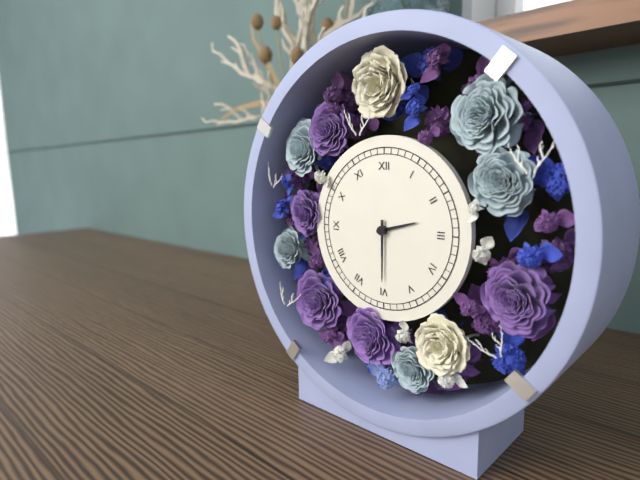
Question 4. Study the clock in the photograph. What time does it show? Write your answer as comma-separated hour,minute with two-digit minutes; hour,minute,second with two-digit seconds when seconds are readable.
2,30
